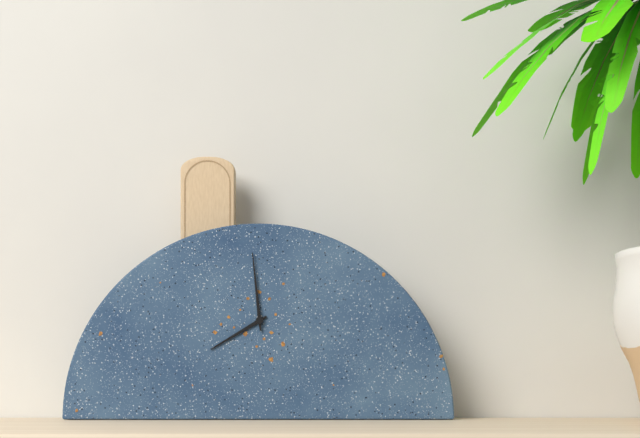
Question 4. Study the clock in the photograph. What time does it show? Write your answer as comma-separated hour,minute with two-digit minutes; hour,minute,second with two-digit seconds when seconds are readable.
7,59
